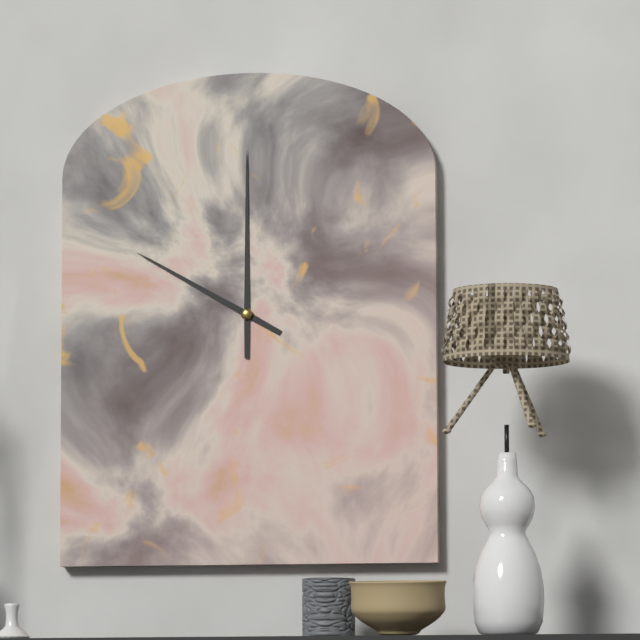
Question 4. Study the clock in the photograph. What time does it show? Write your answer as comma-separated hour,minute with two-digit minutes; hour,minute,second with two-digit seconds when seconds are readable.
10,00
